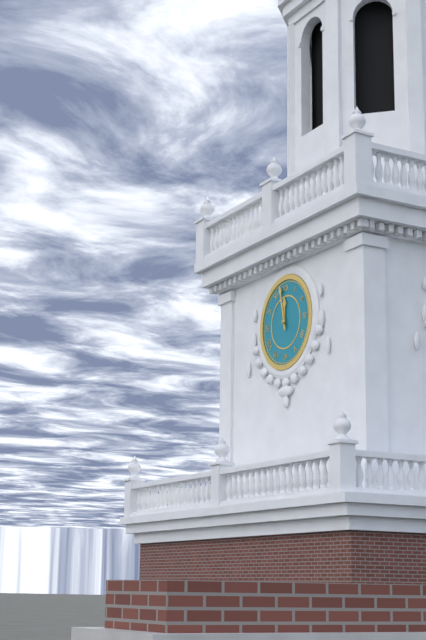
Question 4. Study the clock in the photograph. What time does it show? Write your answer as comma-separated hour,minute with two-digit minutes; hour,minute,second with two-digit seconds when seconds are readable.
11,58
